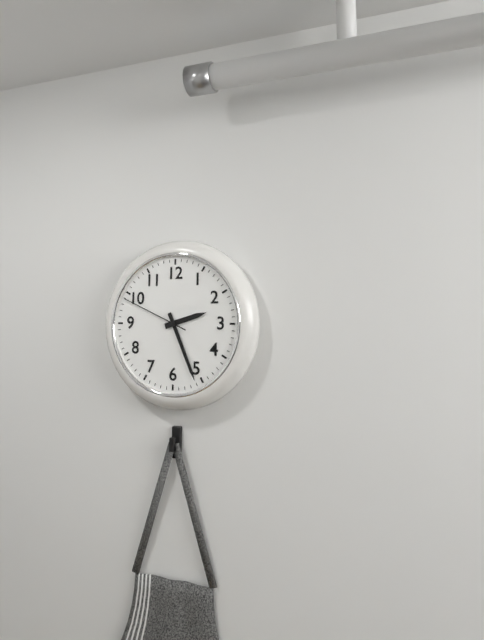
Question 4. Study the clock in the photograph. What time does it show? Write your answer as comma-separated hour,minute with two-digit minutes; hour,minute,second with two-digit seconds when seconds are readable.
2,26,49
